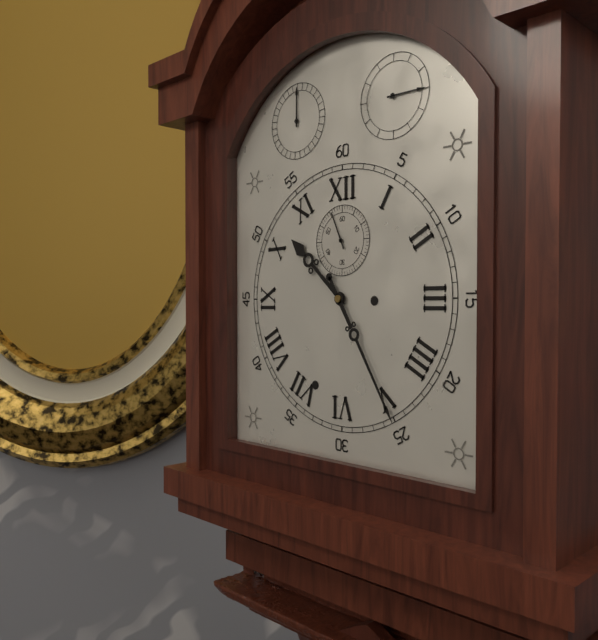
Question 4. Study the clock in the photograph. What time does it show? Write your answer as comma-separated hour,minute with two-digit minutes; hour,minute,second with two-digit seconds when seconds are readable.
10,25
